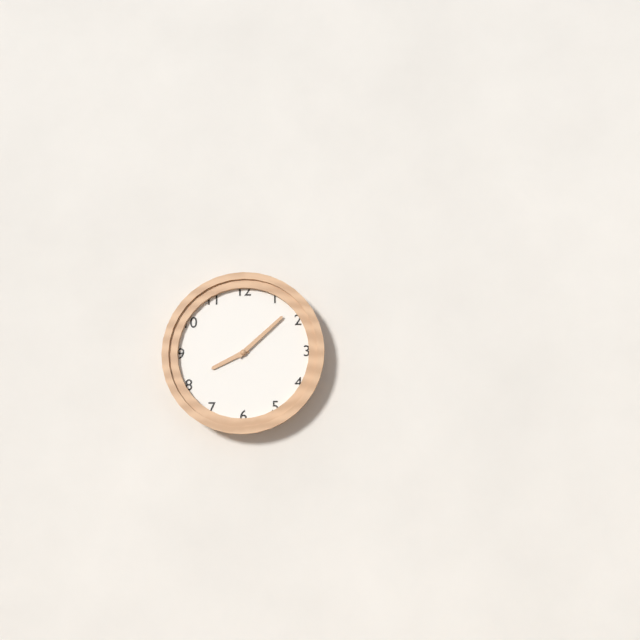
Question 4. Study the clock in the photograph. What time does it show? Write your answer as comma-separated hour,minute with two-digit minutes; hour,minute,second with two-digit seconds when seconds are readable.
8,08
